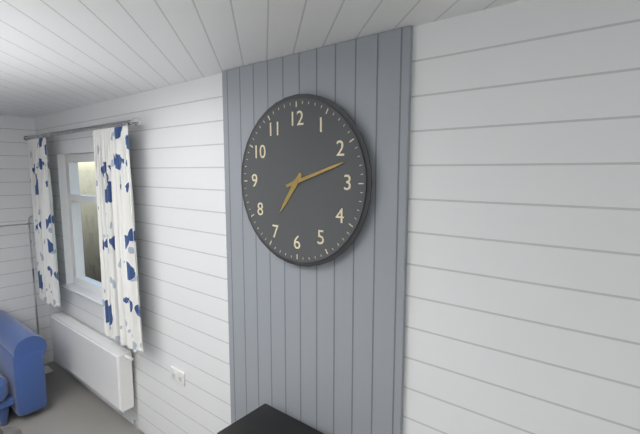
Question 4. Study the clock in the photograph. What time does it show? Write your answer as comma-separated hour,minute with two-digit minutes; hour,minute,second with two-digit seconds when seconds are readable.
7,12
